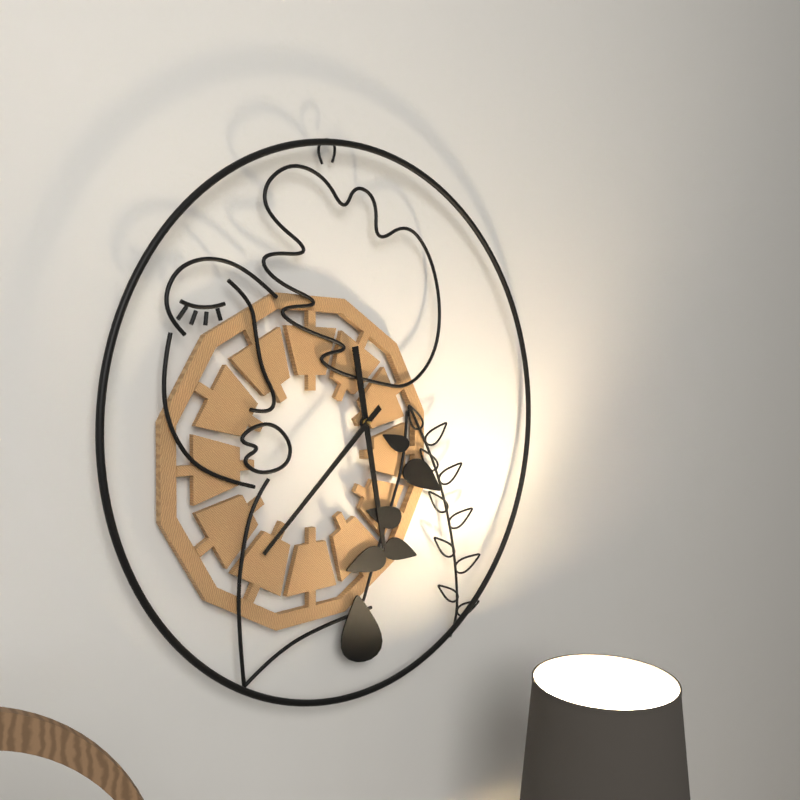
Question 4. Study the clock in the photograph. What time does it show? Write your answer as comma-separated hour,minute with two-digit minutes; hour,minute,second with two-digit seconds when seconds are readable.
5,38
